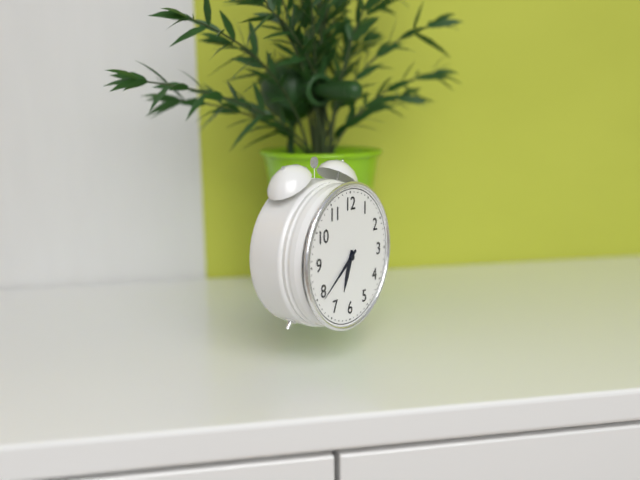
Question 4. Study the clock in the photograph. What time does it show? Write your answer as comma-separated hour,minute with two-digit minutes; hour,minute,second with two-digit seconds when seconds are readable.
6,39
